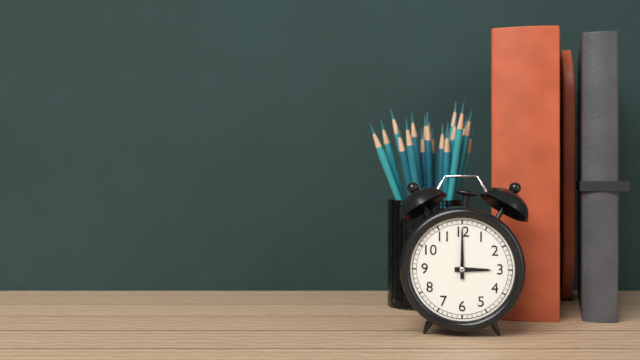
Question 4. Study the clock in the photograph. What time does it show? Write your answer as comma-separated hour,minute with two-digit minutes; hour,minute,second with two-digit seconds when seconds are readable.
3,00
